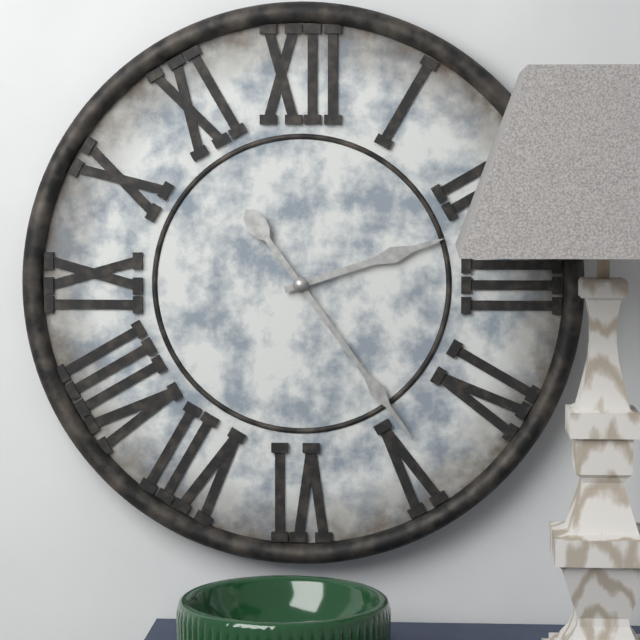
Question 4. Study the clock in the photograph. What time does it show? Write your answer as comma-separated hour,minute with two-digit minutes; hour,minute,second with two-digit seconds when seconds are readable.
2,24
